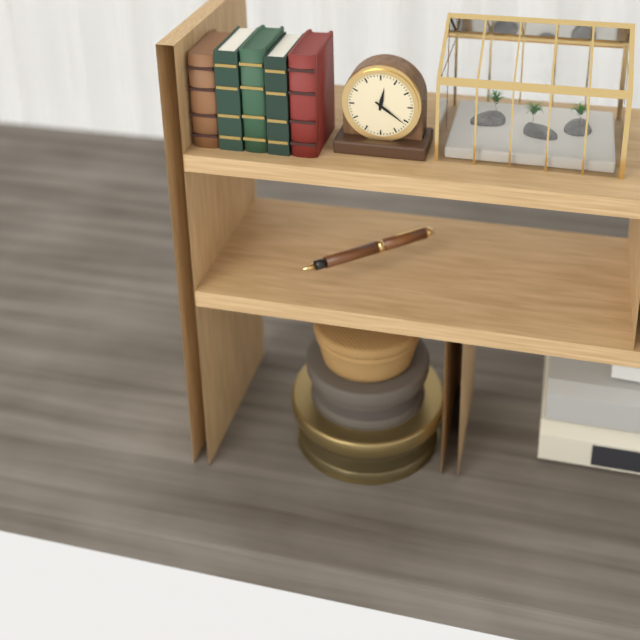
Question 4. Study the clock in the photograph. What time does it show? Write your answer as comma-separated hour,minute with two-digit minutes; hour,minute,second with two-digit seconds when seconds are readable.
12,21
